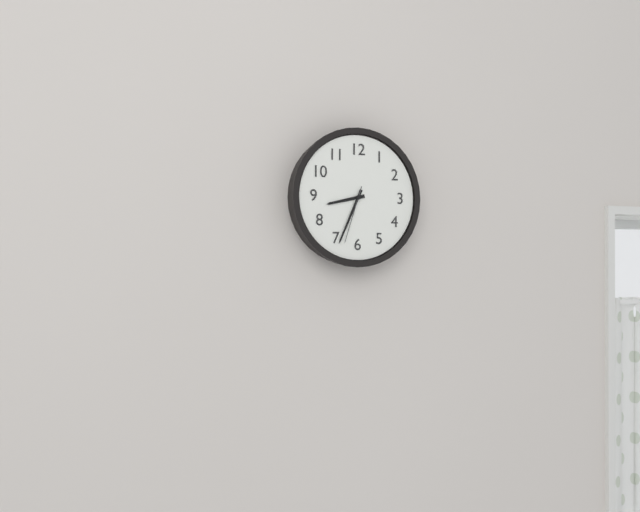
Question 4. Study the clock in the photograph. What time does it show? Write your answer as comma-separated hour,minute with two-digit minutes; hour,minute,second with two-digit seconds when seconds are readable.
8,34,33
